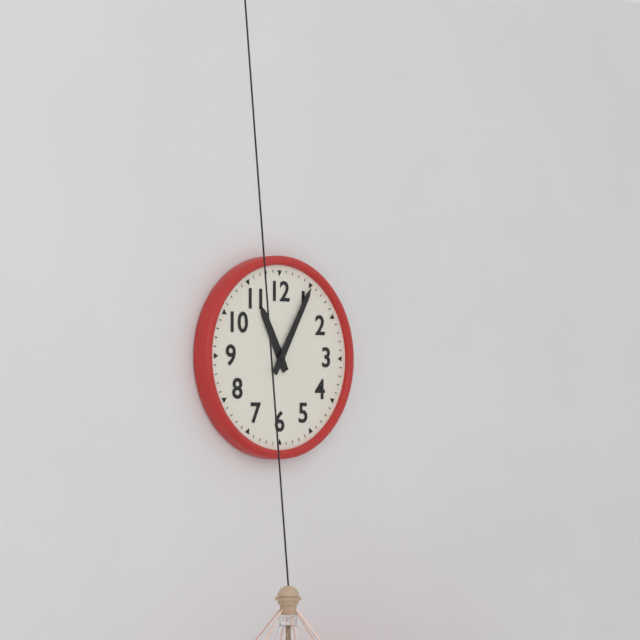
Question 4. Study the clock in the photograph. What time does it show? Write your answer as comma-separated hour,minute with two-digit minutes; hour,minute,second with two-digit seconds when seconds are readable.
11,05
